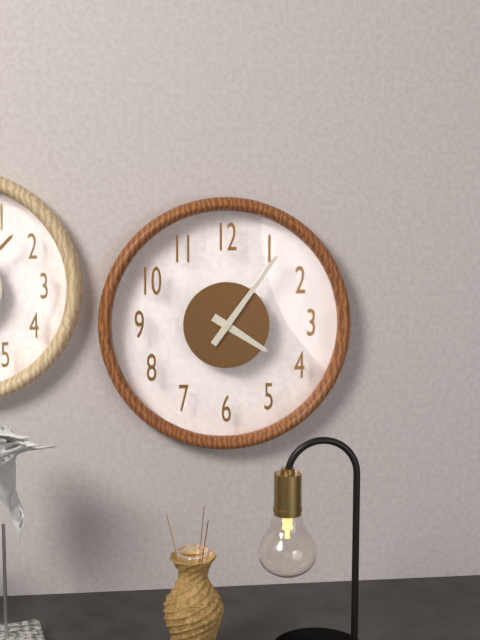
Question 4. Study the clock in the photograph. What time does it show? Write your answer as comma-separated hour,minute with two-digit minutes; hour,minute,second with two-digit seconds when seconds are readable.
4,06
